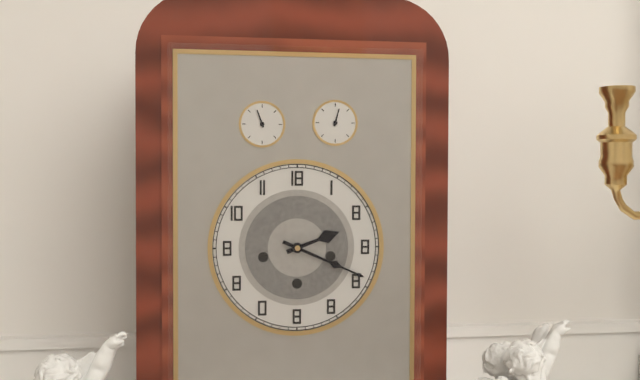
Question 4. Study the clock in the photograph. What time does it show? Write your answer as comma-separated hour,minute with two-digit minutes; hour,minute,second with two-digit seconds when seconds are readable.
2,19
